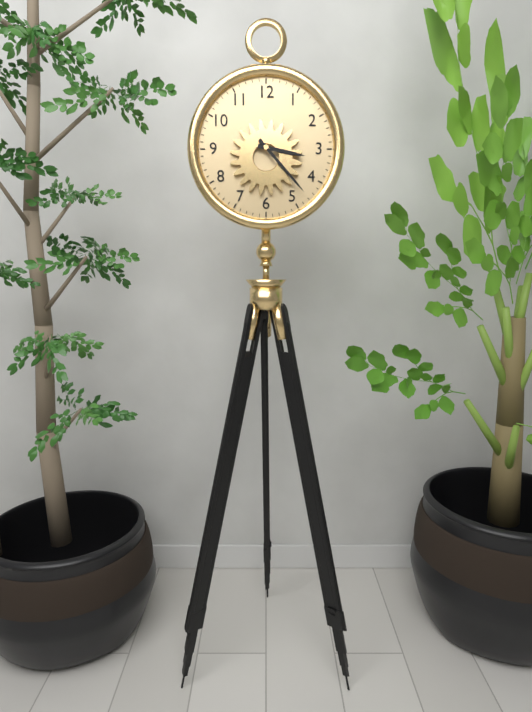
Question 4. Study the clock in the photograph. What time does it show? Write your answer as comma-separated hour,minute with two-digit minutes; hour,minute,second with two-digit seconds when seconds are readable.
3,23
